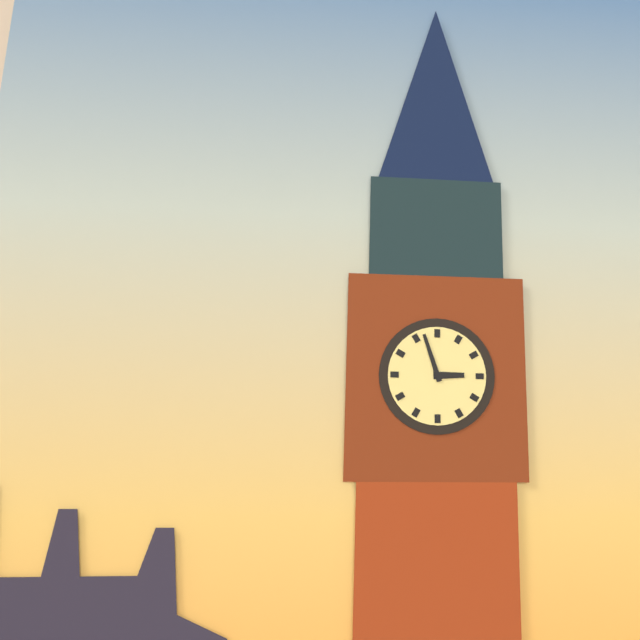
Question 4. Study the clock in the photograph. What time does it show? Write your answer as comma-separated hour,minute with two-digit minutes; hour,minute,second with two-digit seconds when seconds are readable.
2,57
